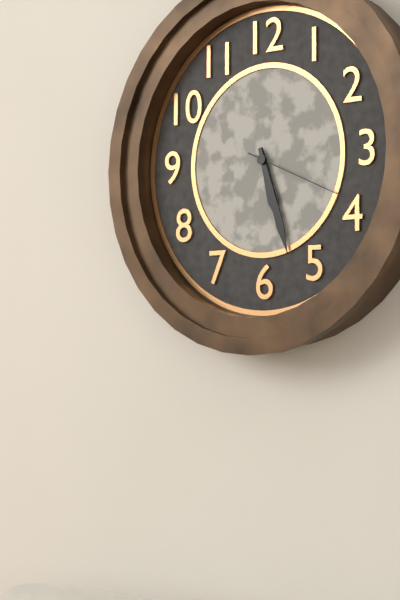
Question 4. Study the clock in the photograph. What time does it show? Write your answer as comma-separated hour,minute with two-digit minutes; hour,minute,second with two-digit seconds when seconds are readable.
5,27,19
